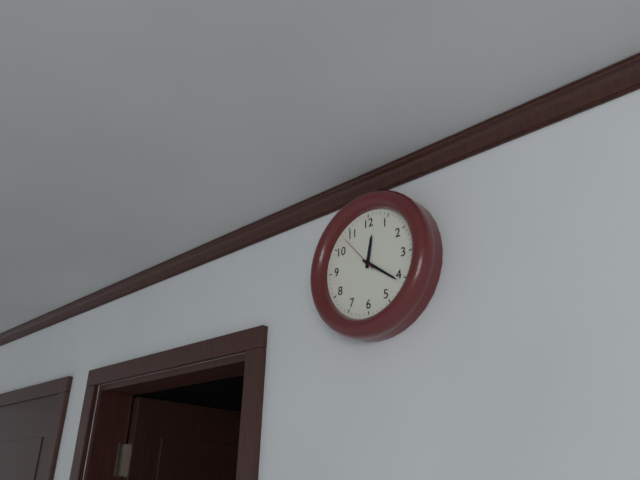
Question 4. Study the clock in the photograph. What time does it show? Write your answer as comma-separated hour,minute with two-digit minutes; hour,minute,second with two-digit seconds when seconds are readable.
12,21
